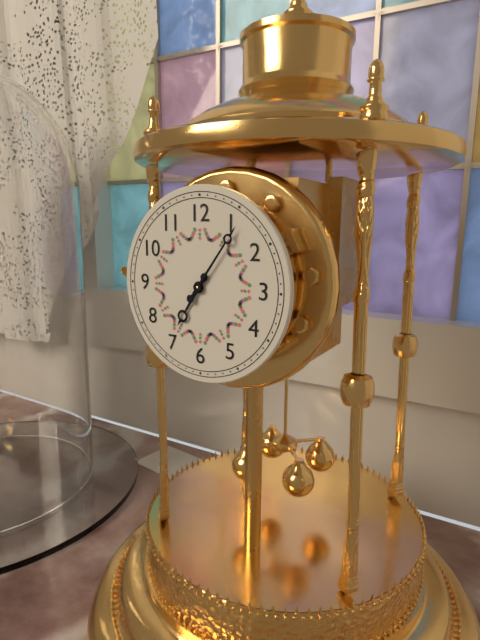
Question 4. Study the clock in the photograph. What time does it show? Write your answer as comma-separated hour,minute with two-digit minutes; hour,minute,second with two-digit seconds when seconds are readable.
7,06
